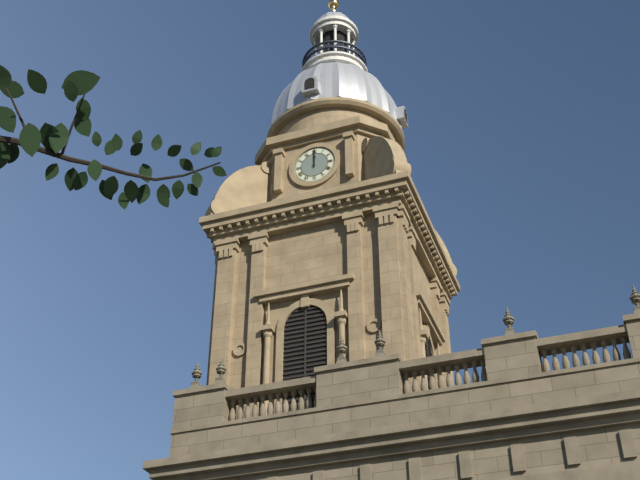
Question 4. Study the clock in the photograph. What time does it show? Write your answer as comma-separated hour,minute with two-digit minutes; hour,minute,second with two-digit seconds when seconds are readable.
12,00
